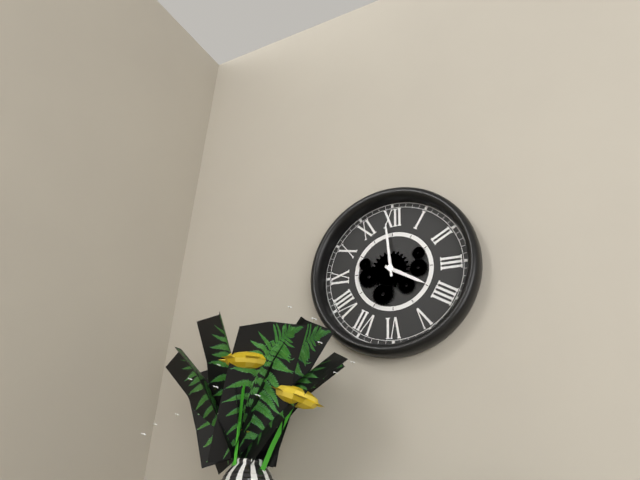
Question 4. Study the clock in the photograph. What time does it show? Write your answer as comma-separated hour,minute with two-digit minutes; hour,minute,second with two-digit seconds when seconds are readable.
3,59
